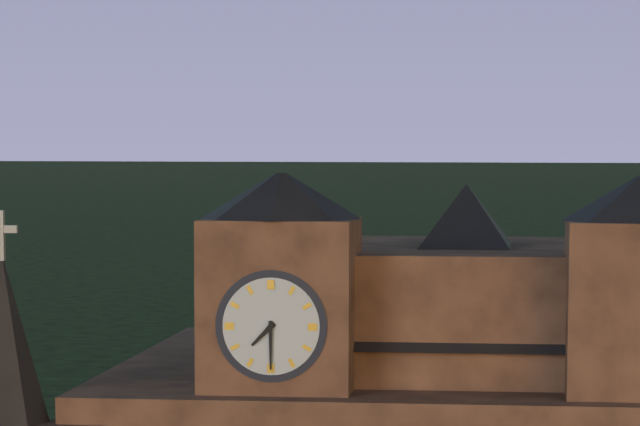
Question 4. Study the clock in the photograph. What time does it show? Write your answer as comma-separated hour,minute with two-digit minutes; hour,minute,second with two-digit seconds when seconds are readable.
7,30
